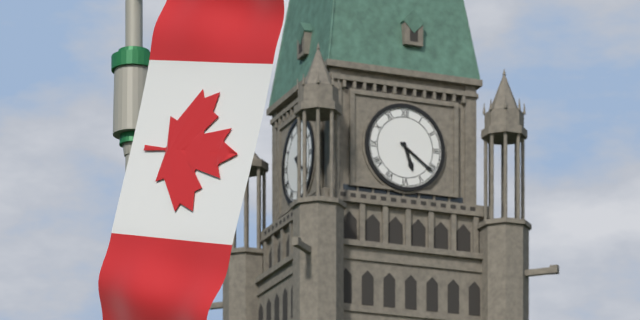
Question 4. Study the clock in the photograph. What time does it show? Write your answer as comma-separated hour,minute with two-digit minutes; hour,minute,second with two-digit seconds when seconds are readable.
5,21
